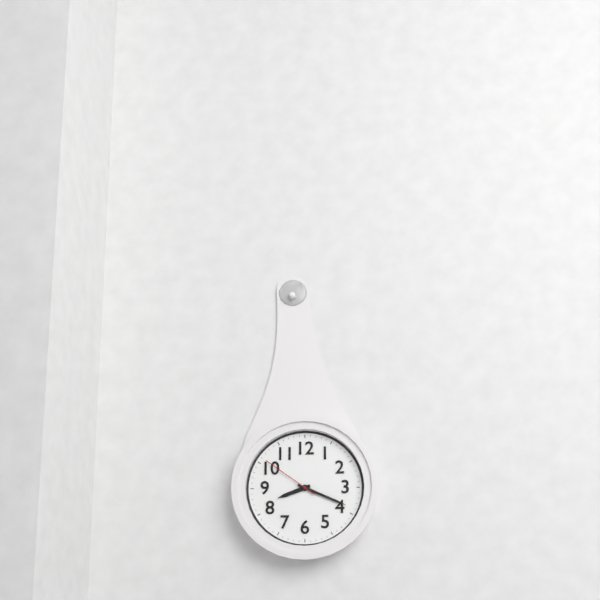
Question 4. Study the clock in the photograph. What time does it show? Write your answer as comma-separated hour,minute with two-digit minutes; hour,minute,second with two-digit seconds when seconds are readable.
8,19,51
